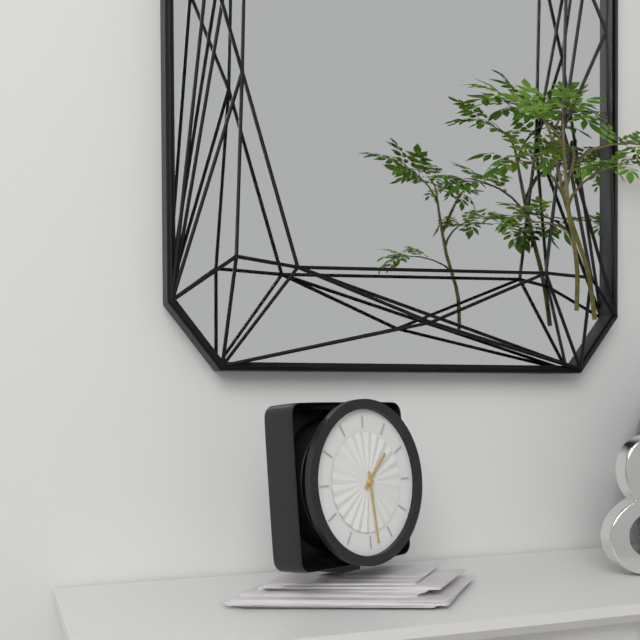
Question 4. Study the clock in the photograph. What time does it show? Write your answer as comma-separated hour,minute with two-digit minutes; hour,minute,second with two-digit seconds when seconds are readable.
1,29
